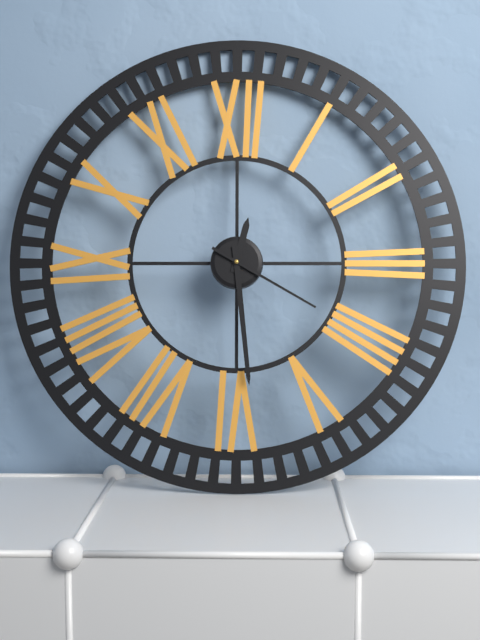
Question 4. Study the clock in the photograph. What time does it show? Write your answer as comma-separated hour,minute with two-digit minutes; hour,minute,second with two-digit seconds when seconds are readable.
12,29,20
